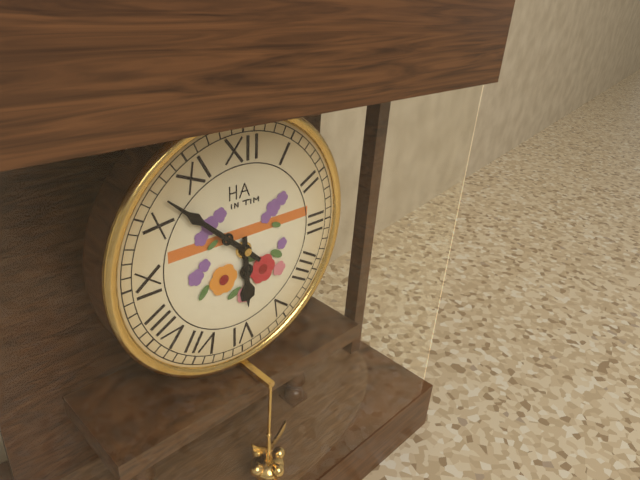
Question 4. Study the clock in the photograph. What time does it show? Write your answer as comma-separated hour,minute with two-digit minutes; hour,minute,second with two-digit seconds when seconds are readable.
5,52
